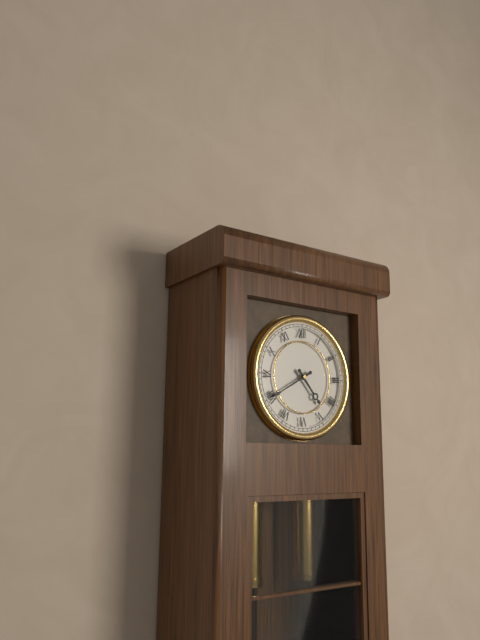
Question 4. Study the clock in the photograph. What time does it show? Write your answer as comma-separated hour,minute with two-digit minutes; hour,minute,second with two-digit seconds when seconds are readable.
4,40
